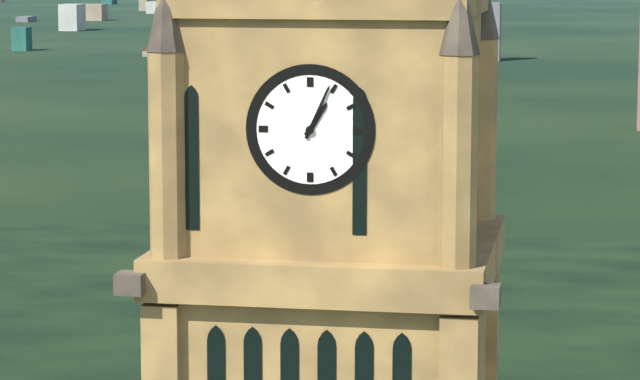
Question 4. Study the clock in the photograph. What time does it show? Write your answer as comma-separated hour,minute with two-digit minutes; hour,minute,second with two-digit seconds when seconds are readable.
1,04
